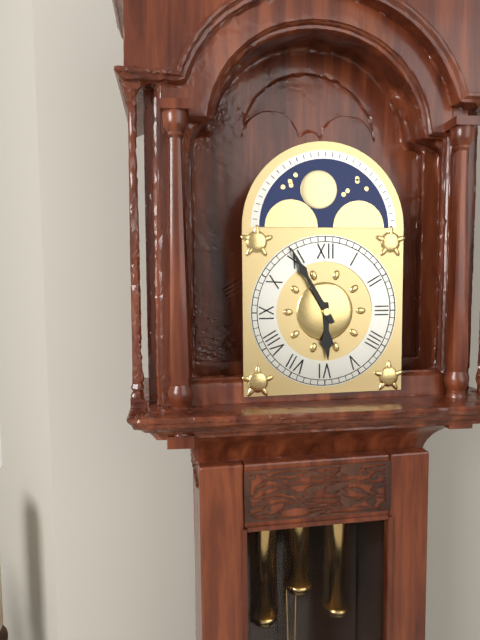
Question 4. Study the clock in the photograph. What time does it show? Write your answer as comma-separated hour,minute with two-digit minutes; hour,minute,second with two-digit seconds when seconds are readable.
5,55
